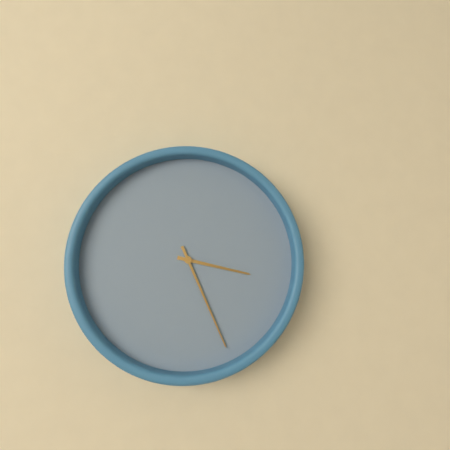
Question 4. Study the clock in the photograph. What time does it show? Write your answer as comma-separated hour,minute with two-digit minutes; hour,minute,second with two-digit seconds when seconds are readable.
3,26
